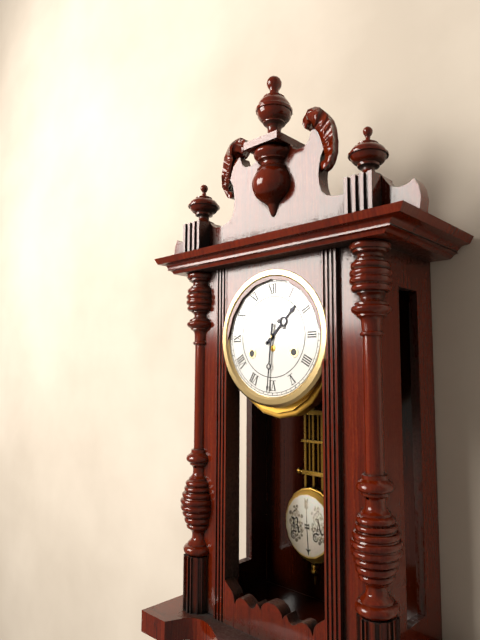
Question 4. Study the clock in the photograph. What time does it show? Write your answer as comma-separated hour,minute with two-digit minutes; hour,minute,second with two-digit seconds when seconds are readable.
1,31
